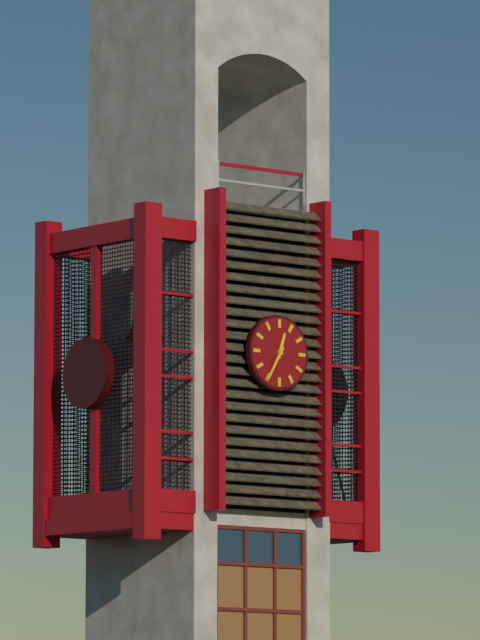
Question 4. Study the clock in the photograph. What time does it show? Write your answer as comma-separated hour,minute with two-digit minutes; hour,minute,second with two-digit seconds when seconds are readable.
12,35
